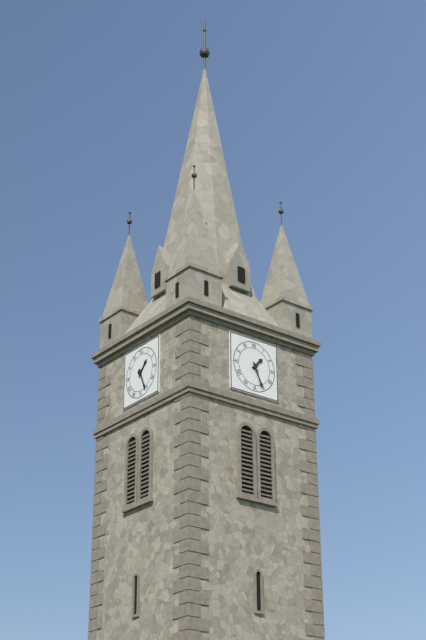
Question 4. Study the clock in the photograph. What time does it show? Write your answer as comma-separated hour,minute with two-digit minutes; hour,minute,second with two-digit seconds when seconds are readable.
1,26
